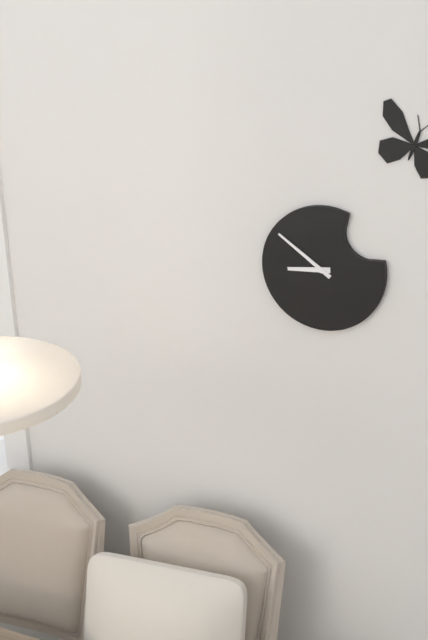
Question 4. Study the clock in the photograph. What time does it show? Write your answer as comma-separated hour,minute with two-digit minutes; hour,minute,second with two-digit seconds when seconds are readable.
8,51
